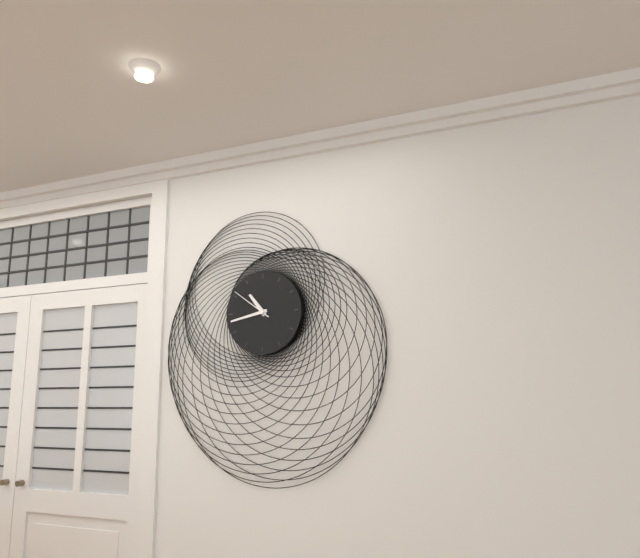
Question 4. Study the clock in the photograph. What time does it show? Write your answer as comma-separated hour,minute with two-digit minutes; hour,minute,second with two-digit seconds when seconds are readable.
10,43
